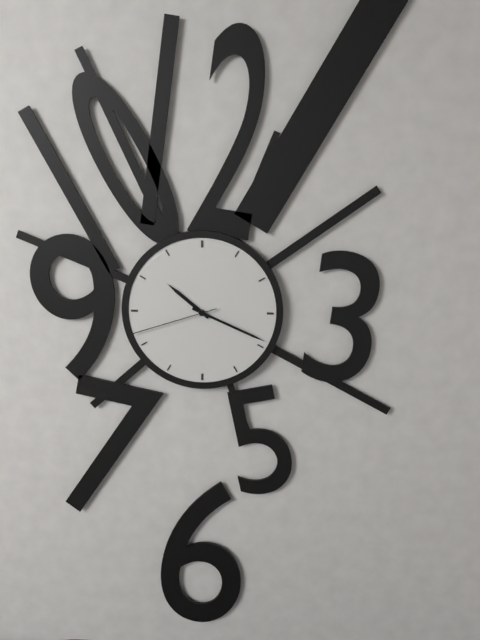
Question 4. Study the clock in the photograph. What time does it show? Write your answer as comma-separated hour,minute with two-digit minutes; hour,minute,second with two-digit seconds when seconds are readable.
10,19,42
